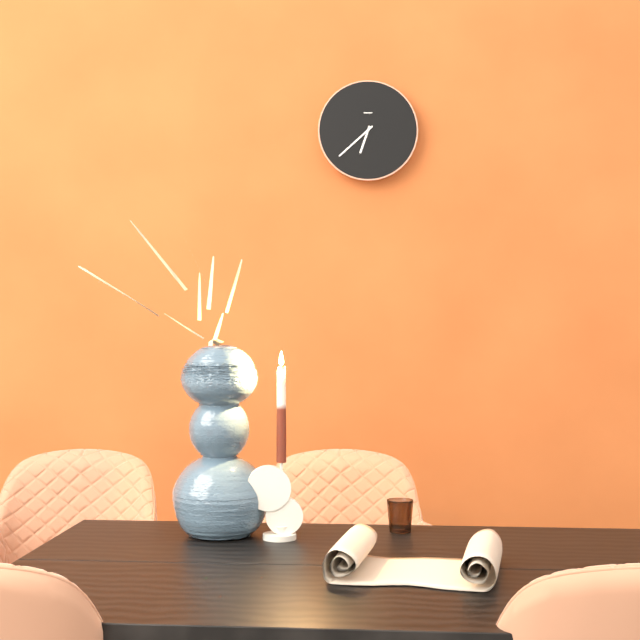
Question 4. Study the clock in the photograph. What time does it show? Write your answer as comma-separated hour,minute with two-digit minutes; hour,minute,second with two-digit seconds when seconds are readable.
6,38
